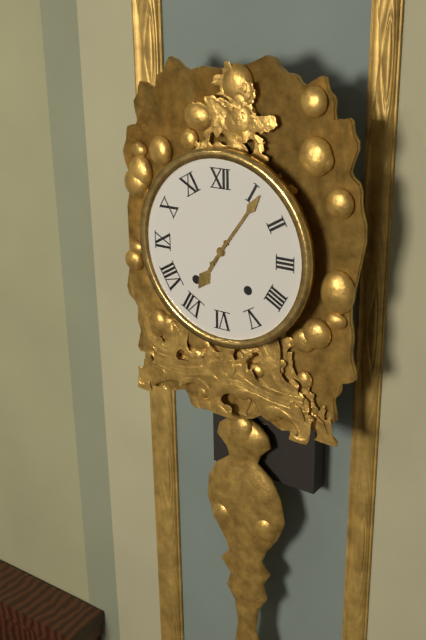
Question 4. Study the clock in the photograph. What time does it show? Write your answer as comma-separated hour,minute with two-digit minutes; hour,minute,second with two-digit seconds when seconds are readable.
7,06
